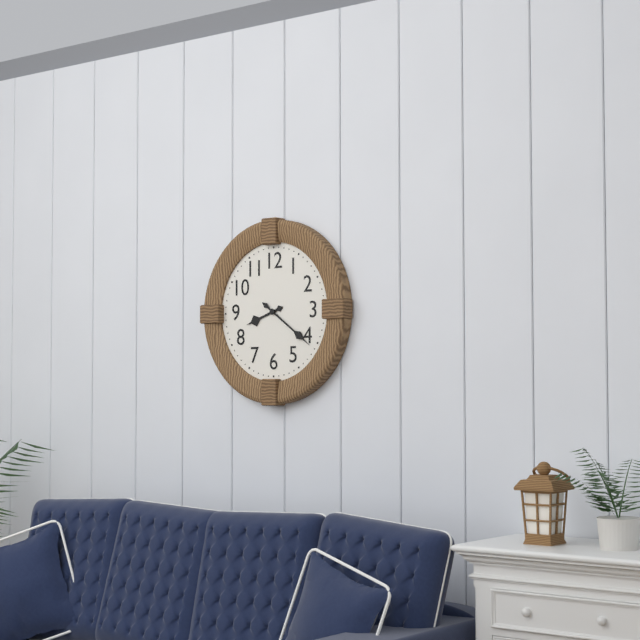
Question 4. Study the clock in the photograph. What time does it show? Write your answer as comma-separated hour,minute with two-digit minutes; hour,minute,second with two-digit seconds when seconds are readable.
8,21
